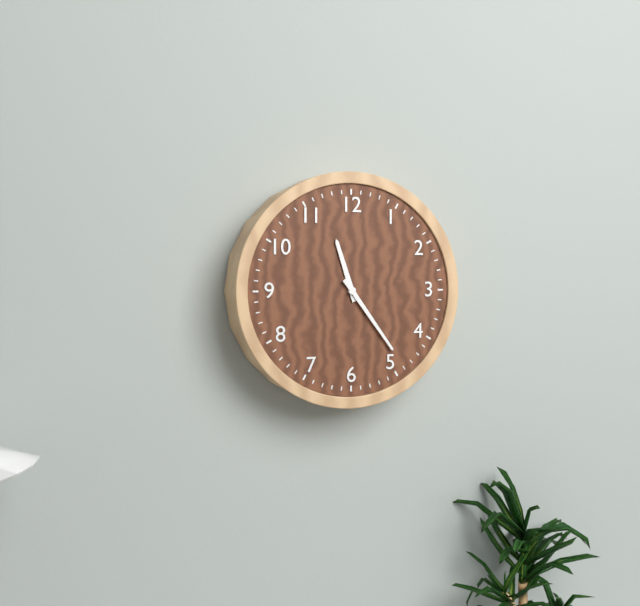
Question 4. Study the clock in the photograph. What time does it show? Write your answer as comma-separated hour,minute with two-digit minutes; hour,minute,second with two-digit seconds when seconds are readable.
11,24
